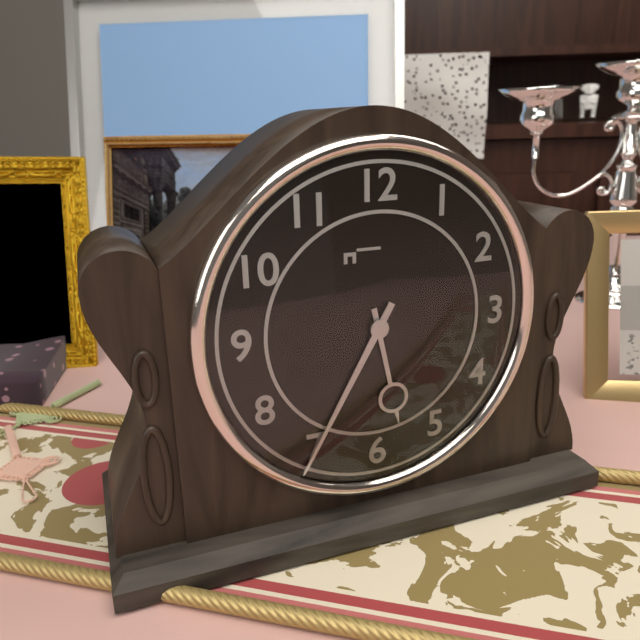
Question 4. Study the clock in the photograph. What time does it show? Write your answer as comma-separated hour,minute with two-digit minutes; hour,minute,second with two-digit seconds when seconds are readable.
5,35
